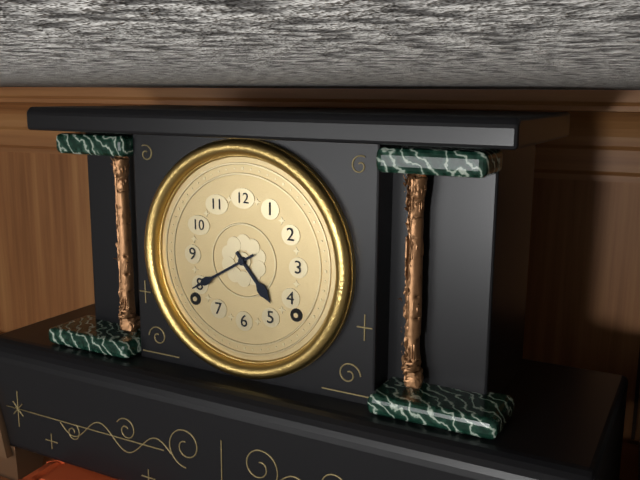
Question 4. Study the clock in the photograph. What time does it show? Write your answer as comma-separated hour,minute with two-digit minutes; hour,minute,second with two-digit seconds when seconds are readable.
4,40
